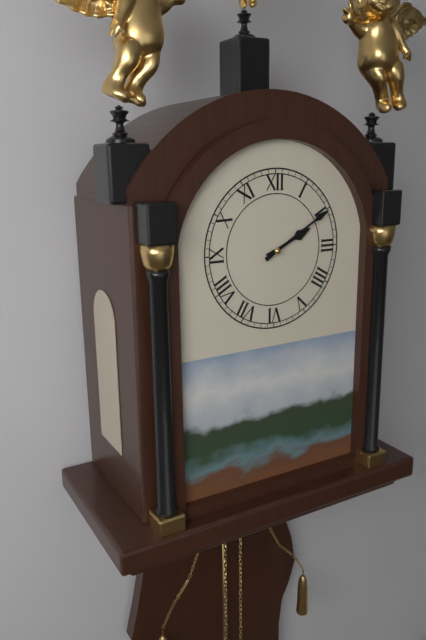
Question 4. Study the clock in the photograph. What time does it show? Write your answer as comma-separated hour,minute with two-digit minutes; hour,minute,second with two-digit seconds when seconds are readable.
2,10
